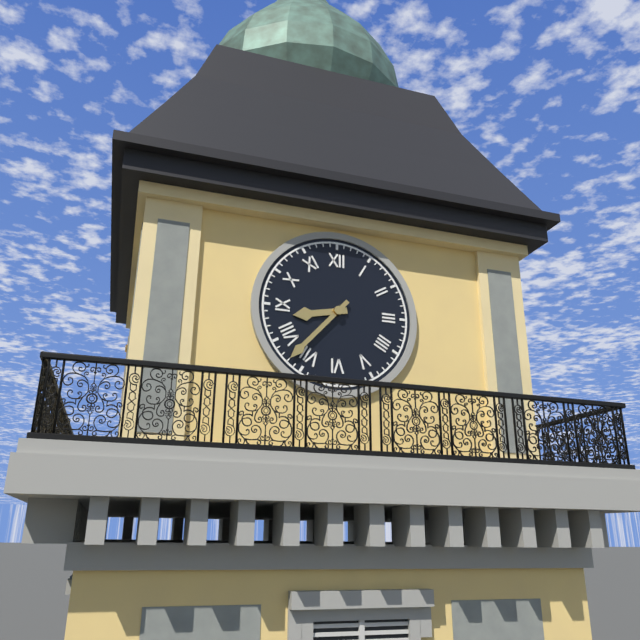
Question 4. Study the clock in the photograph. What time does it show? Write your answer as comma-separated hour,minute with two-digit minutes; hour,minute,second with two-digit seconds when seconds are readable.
8,37
